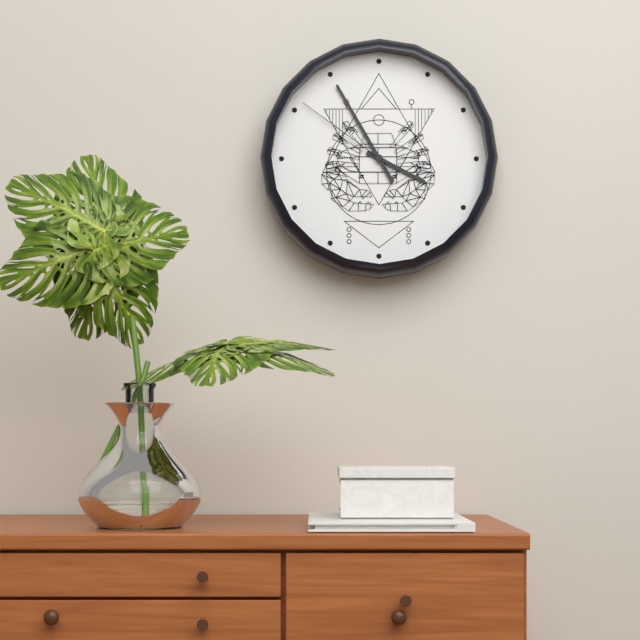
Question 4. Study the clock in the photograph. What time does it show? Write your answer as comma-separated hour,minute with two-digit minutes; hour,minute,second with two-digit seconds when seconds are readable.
3,55,51
